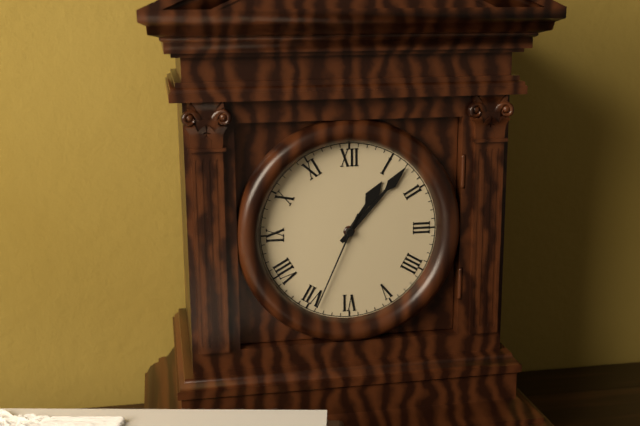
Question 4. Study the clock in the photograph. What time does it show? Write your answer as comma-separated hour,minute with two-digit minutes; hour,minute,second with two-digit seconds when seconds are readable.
1,07,34
